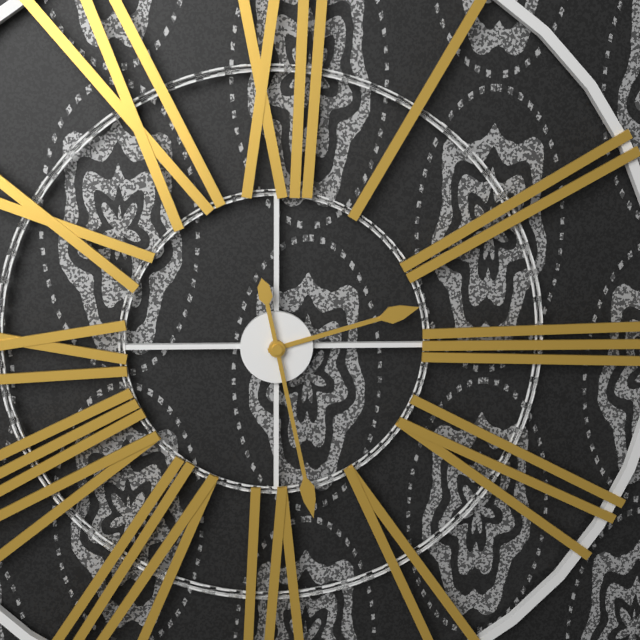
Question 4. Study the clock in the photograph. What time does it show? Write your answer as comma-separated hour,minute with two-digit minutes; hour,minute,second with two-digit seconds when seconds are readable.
2,28
